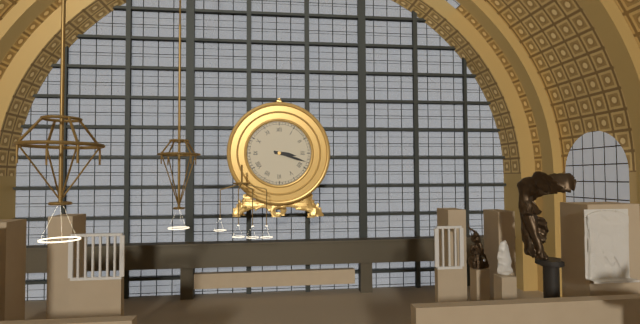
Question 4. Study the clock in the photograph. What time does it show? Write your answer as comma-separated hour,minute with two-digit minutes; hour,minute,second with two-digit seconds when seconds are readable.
3,18
